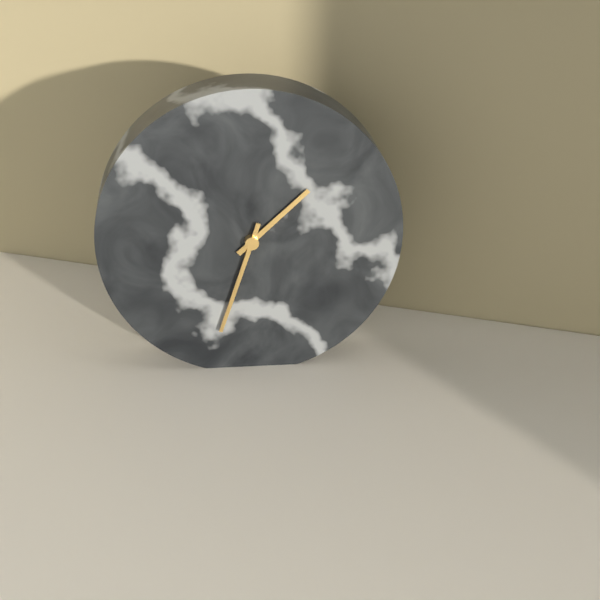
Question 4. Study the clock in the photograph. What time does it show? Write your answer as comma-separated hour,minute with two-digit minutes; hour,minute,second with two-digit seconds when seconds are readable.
1,33
